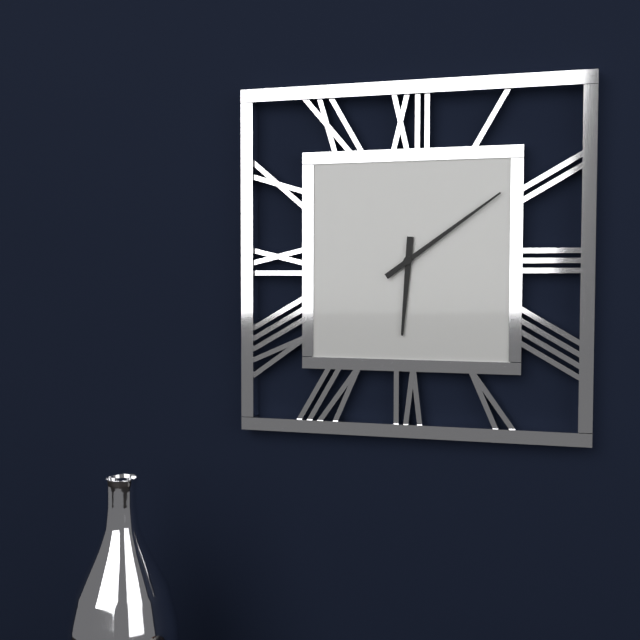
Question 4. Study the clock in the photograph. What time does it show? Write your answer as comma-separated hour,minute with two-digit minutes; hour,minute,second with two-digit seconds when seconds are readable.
6,09
